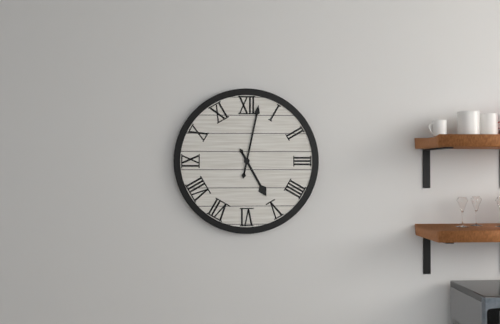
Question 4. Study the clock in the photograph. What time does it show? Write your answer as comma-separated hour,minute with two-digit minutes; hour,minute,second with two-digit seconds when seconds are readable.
5,02
